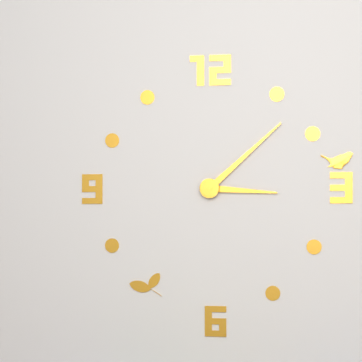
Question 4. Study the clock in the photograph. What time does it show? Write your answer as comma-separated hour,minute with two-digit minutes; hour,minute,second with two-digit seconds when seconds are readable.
3,08
